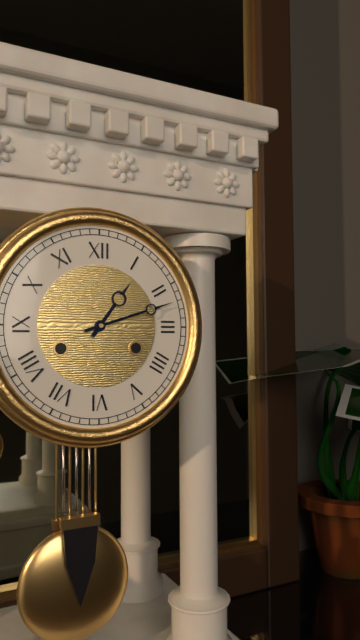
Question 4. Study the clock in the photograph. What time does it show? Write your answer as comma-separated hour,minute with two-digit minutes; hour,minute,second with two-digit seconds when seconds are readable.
1,12
